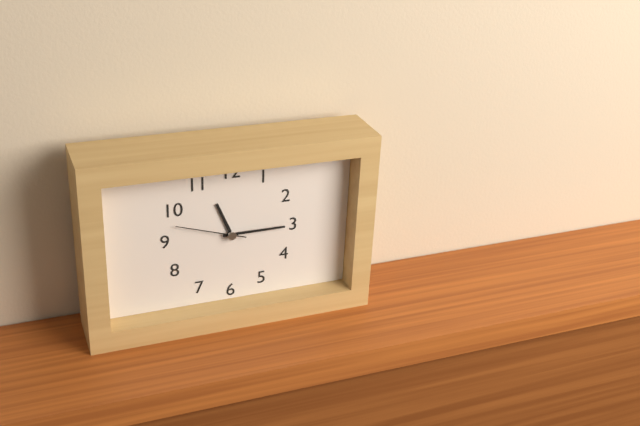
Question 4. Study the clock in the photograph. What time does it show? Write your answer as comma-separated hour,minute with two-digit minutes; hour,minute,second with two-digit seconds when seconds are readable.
11,15,48
